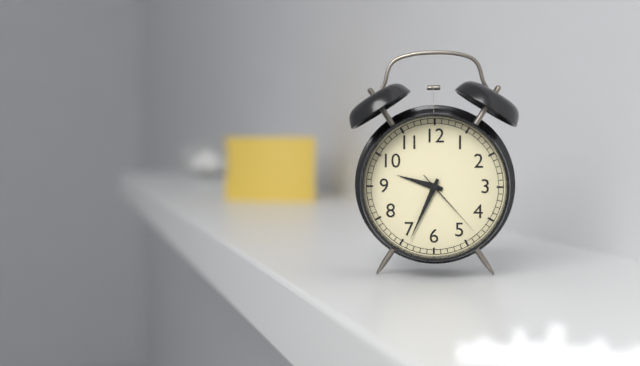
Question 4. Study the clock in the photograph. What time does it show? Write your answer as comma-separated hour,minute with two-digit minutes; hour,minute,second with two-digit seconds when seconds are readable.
9,34,23
